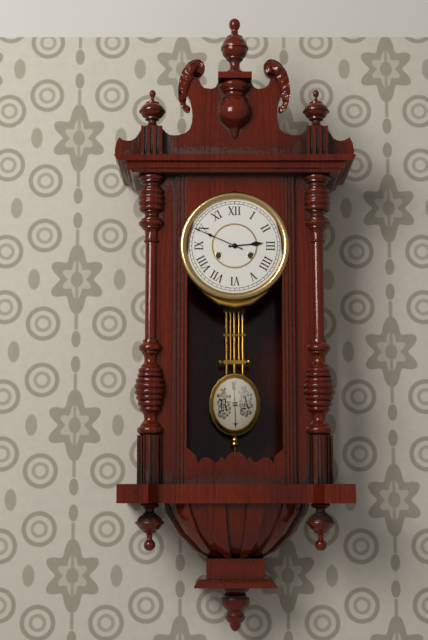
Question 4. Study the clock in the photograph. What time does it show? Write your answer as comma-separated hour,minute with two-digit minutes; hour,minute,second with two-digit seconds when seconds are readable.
2,49
